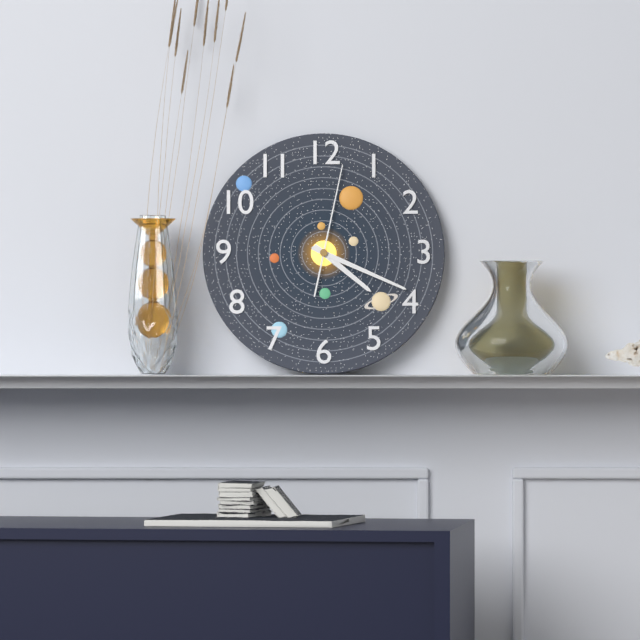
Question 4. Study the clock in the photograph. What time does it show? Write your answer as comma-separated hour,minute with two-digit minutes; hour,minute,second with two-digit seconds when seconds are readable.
4,19,02
